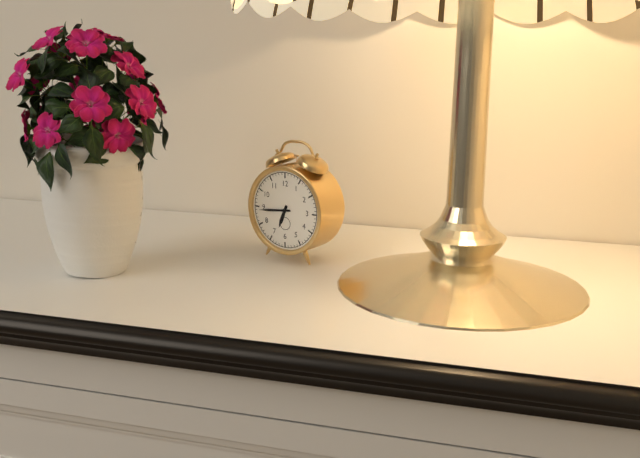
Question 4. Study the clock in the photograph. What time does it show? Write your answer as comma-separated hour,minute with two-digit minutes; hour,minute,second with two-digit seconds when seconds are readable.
6,44
